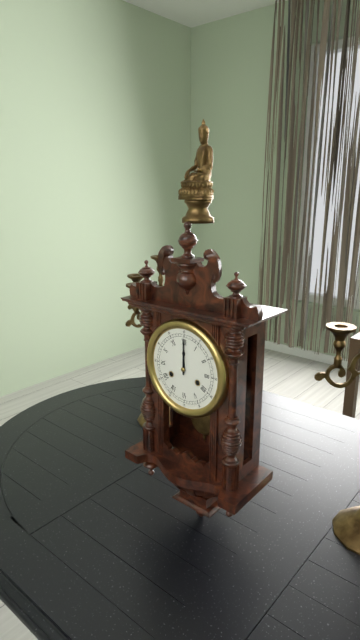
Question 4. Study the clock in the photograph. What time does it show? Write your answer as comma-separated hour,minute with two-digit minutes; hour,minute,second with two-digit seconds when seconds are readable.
12,00
